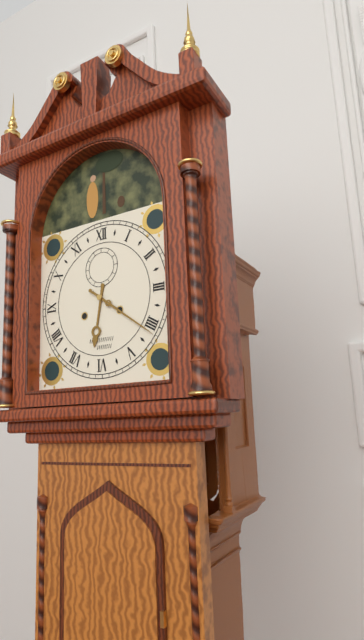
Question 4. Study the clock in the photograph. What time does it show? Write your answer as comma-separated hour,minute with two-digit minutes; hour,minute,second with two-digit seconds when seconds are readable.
6,21
